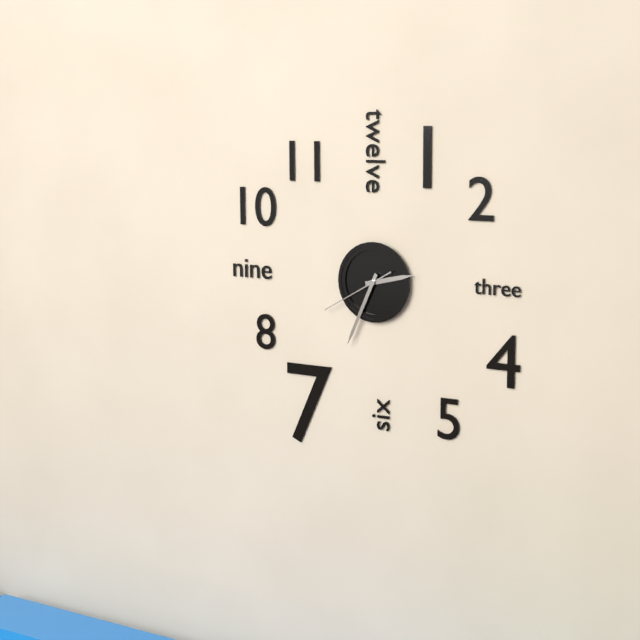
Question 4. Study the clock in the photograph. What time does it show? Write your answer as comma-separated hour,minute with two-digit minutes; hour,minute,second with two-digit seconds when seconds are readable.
2,34,40
